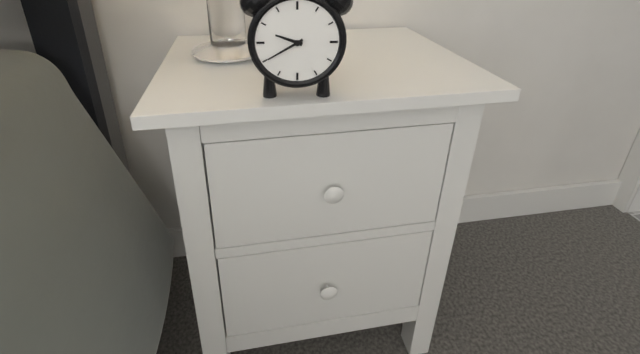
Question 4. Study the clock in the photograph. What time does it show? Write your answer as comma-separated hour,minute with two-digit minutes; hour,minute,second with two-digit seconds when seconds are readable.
9,40
